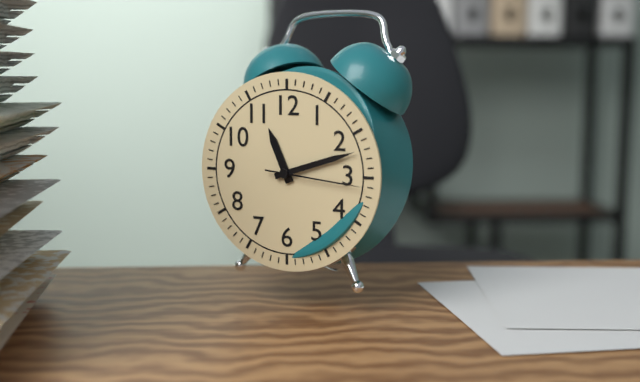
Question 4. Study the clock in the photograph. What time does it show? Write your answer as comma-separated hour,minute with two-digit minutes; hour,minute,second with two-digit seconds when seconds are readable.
11,12,16
